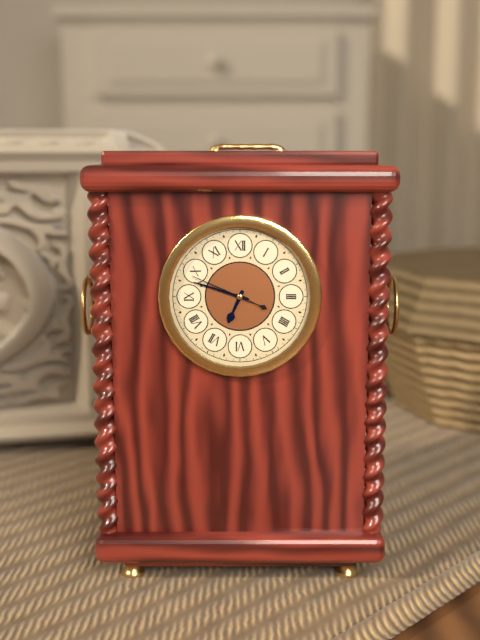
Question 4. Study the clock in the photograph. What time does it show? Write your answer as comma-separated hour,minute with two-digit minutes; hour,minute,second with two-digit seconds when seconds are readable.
6,48,49
